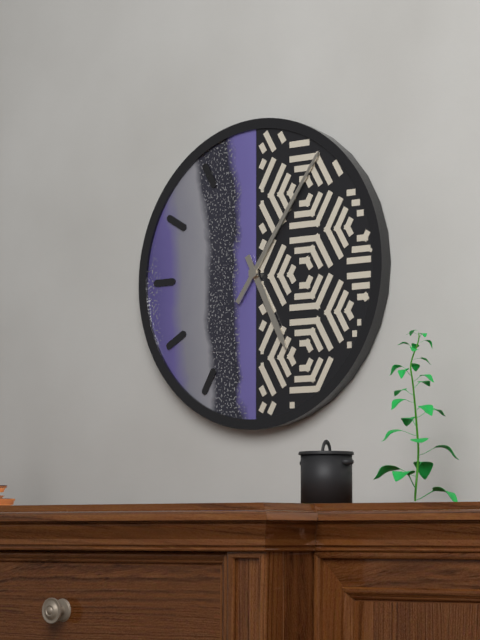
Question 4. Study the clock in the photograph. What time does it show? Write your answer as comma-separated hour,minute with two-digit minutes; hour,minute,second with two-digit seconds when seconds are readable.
5,06
